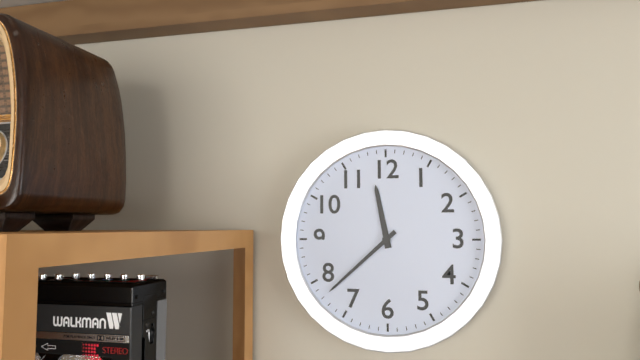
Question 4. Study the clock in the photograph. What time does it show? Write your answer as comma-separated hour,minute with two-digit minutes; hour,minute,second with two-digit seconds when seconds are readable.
11,38
